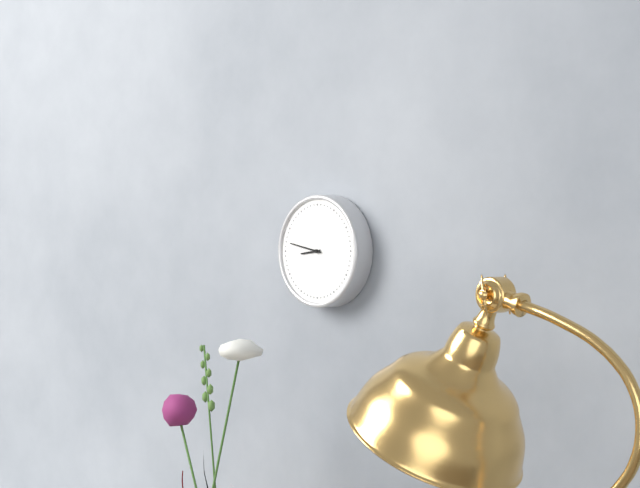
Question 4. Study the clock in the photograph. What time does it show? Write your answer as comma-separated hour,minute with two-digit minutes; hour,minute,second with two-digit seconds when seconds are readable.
8,47
